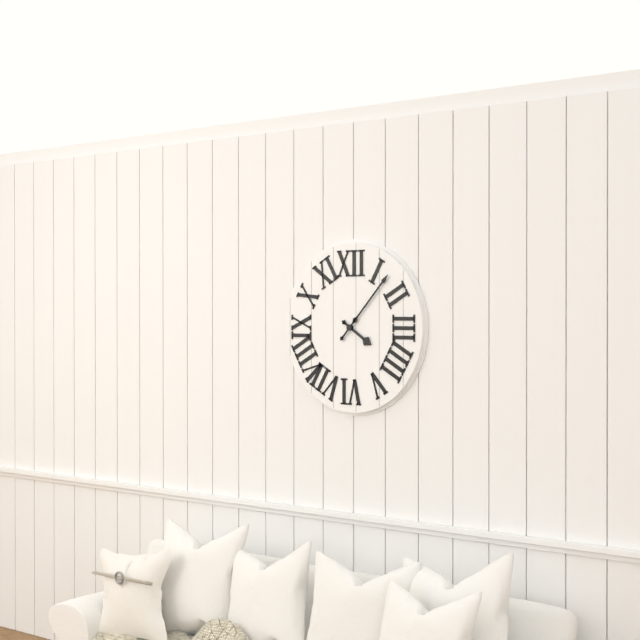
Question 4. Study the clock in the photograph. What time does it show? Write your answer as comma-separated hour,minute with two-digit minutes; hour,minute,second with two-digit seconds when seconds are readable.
4,07
